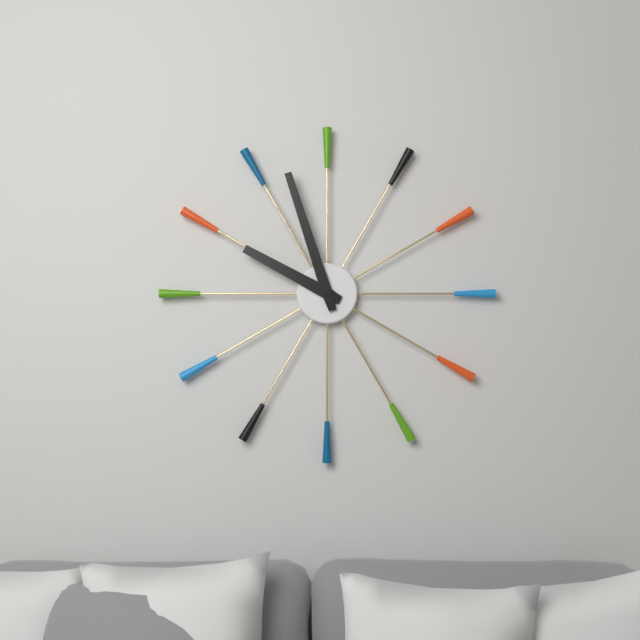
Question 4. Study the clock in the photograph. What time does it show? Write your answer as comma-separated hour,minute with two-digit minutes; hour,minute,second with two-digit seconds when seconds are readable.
9,57
